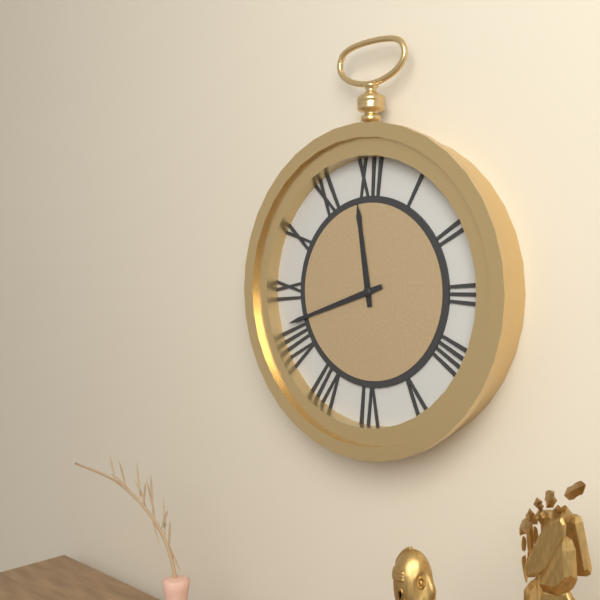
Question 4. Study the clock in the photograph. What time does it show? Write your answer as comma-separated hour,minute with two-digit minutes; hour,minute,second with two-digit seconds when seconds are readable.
11,42
